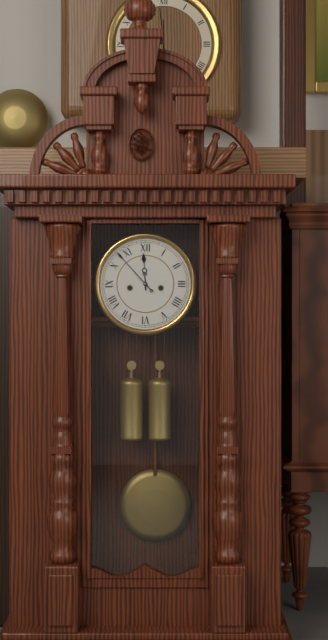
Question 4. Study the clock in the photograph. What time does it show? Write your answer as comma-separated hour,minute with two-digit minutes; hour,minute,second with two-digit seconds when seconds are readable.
11,53
